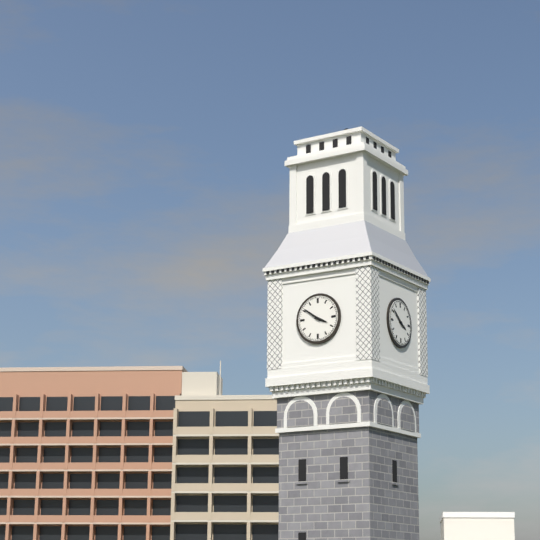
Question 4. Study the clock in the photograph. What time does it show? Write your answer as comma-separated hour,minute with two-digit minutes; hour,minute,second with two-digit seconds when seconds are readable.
3,51
